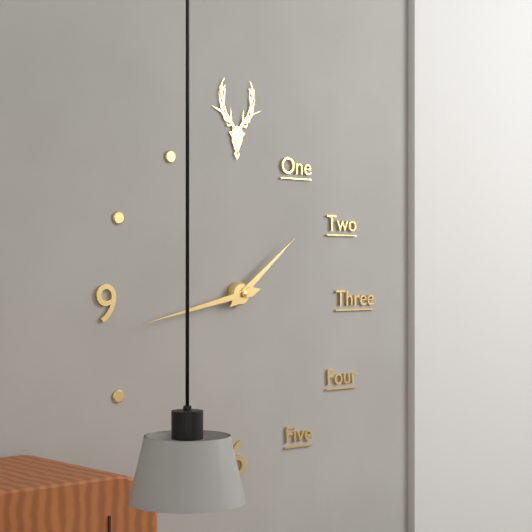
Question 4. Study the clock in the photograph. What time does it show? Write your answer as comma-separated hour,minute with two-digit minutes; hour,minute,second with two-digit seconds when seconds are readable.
1,43
